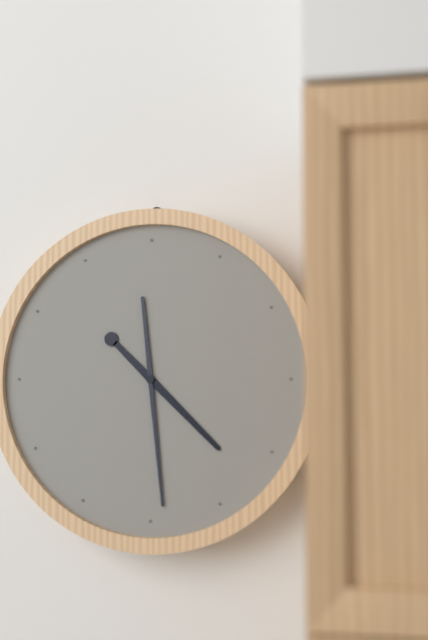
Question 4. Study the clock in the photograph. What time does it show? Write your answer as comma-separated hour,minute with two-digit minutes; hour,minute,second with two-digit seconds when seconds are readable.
4,29
